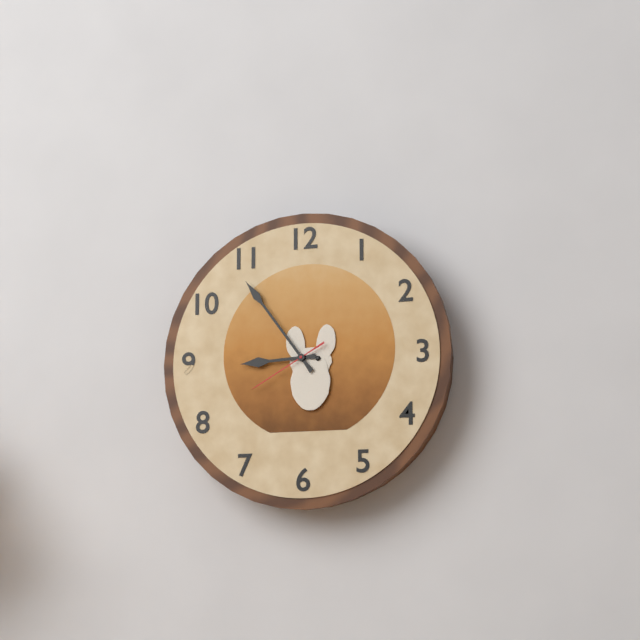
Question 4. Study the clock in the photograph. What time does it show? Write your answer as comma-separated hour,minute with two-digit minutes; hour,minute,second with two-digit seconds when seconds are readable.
8,54,40
